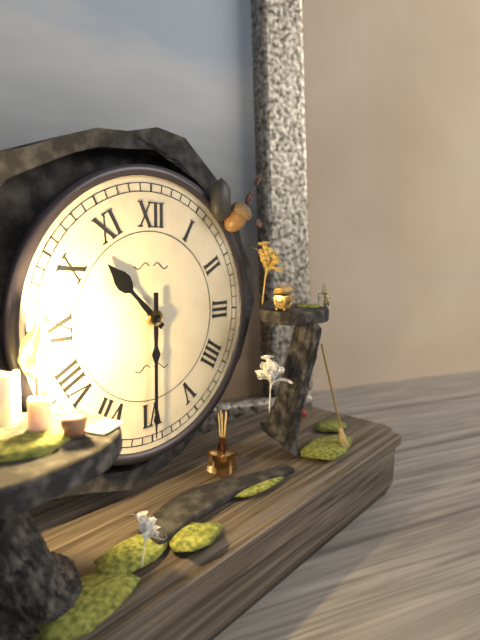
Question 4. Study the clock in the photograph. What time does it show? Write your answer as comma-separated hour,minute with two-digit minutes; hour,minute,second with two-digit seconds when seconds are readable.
10,30
